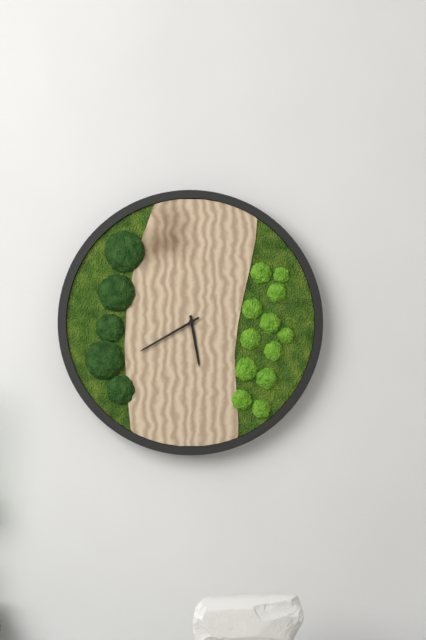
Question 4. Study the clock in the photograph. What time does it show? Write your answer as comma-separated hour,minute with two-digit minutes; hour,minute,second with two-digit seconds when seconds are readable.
5,40
